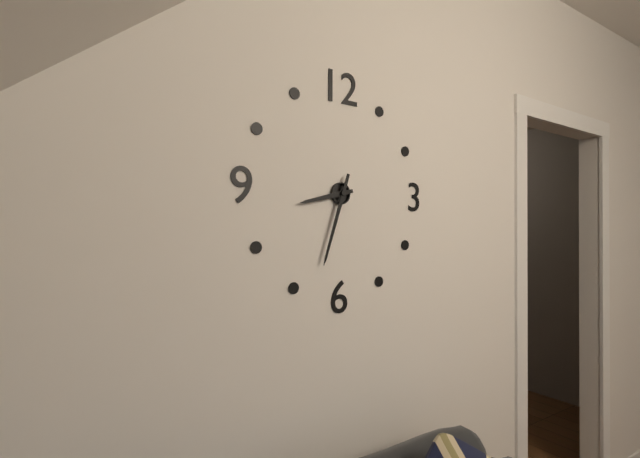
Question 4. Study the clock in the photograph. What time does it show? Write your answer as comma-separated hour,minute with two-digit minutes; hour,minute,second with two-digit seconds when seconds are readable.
8,33
